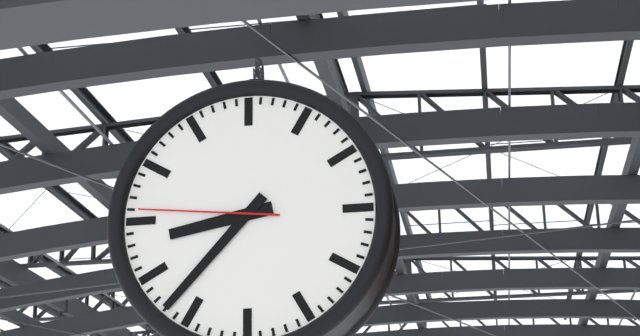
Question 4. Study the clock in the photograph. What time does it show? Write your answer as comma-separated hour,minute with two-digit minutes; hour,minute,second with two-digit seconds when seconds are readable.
8,37,46
